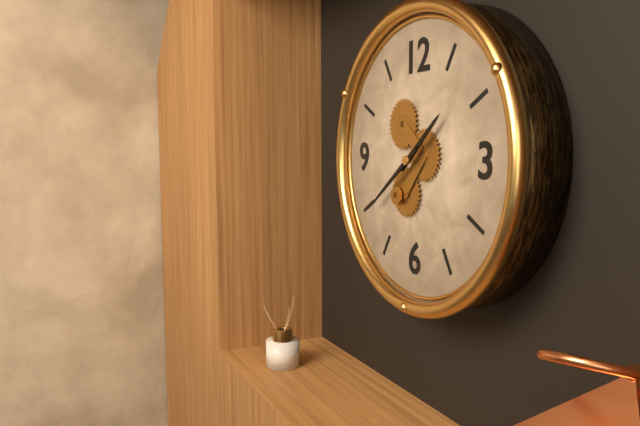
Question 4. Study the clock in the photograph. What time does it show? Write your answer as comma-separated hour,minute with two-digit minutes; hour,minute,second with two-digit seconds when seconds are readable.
1,39
